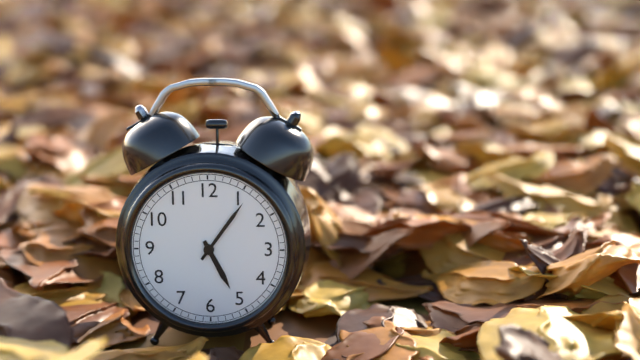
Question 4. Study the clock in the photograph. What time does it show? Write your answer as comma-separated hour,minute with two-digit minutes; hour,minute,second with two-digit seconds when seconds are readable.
5,06
